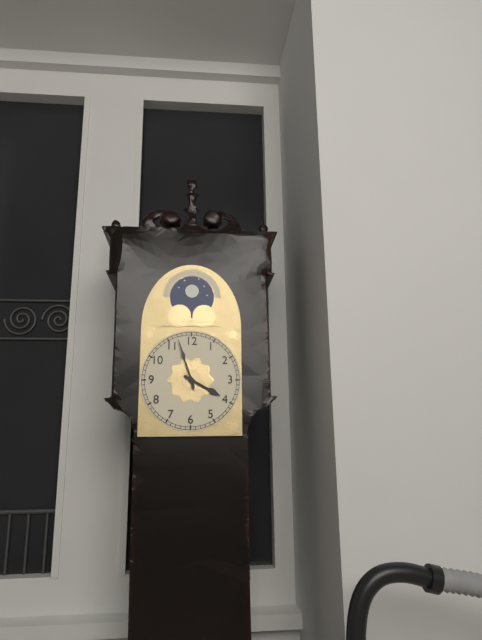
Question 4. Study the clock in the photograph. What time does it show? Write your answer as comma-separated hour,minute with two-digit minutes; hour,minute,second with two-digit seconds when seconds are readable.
3,57
